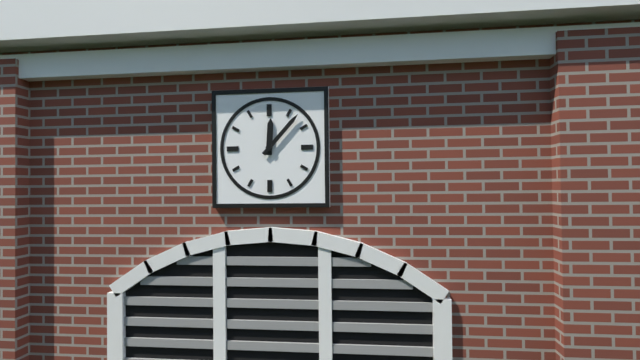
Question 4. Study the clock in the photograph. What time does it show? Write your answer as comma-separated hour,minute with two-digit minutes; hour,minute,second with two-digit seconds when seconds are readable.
12,07
